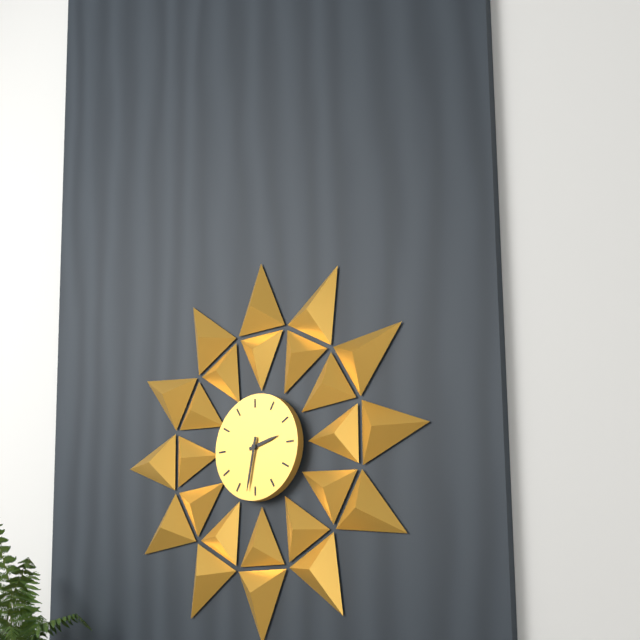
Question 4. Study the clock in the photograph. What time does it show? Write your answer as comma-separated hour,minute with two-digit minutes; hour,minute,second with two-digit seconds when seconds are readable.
2,32
